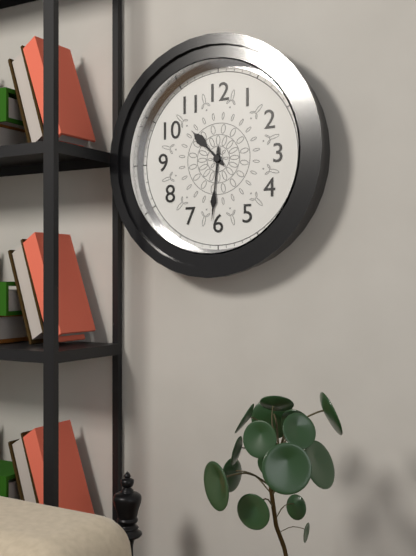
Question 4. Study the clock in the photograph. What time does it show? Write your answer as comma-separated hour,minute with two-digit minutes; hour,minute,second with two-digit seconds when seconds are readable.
10,31
